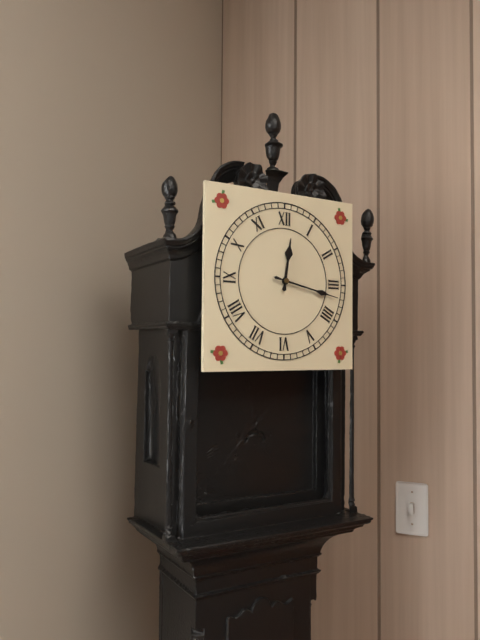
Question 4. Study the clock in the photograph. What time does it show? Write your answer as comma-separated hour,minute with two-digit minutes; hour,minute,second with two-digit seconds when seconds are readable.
12,17
